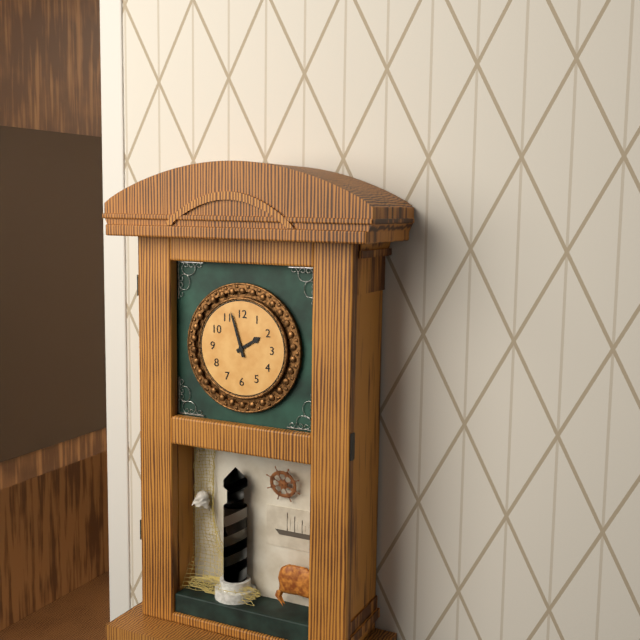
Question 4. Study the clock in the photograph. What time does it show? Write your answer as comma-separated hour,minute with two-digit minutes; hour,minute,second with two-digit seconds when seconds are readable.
1,57
